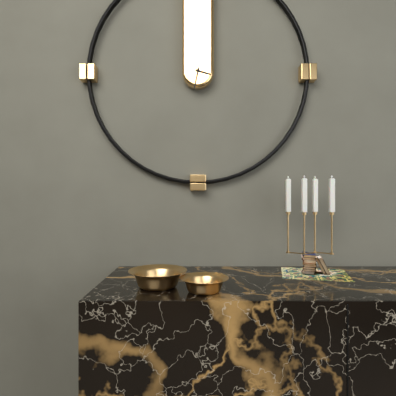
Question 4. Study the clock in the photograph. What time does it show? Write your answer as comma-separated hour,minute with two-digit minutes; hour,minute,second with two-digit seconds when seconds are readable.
3,32
